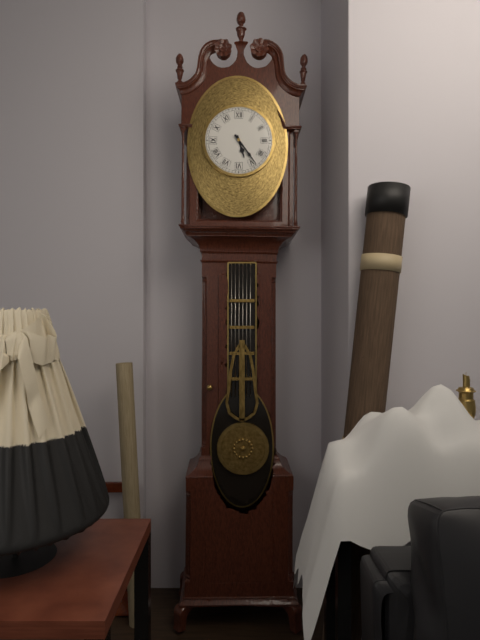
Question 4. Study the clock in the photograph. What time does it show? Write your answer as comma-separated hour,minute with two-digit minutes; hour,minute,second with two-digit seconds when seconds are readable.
5,24
